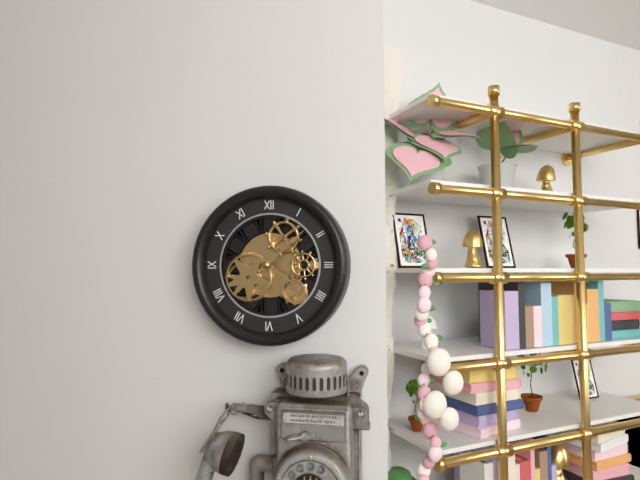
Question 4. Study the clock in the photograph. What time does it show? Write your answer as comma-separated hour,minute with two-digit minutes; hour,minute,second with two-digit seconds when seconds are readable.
4,08
